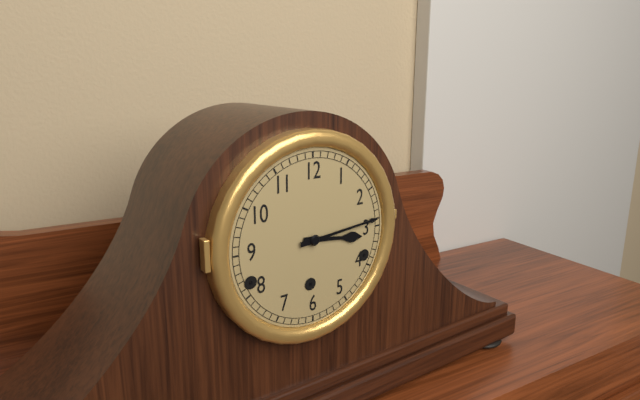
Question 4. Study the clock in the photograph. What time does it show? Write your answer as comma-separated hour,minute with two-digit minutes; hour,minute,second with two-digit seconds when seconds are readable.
3,14
